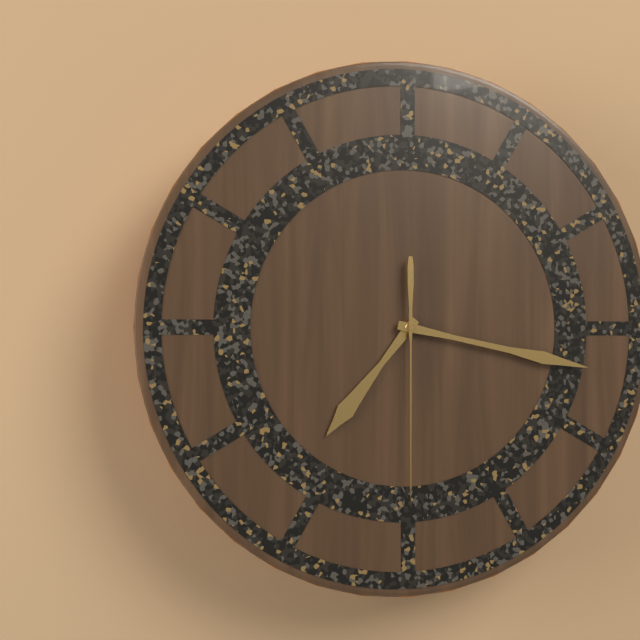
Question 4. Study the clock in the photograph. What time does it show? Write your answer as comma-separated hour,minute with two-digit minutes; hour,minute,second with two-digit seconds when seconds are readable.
7,17,30
